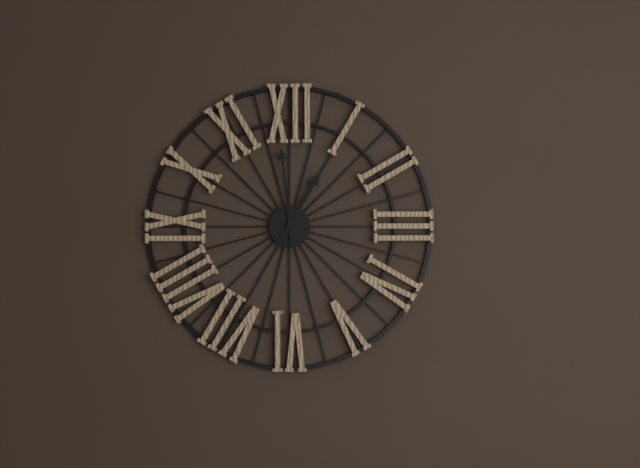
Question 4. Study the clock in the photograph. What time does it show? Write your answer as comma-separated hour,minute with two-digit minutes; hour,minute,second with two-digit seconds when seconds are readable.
12,59
